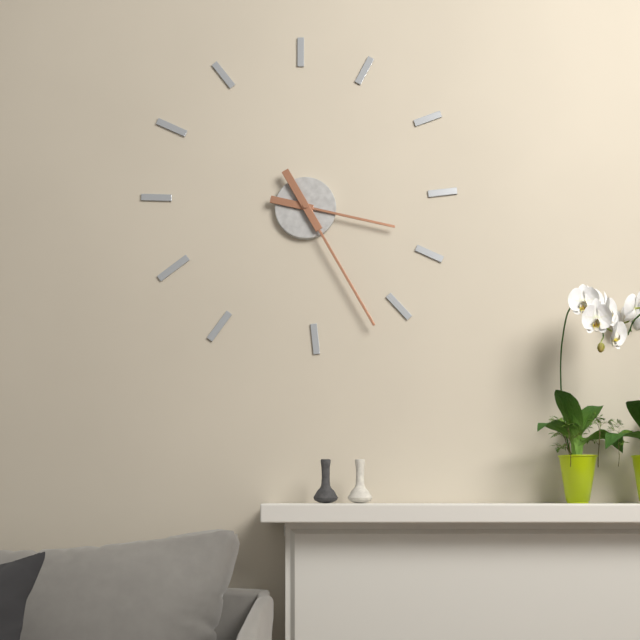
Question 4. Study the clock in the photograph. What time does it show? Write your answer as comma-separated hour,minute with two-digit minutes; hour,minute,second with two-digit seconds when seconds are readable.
3,25
